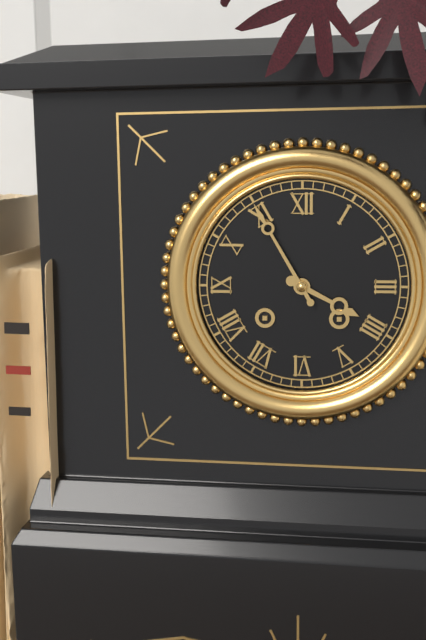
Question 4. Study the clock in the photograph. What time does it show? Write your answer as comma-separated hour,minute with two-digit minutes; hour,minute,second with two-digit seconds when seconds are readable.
3,55
